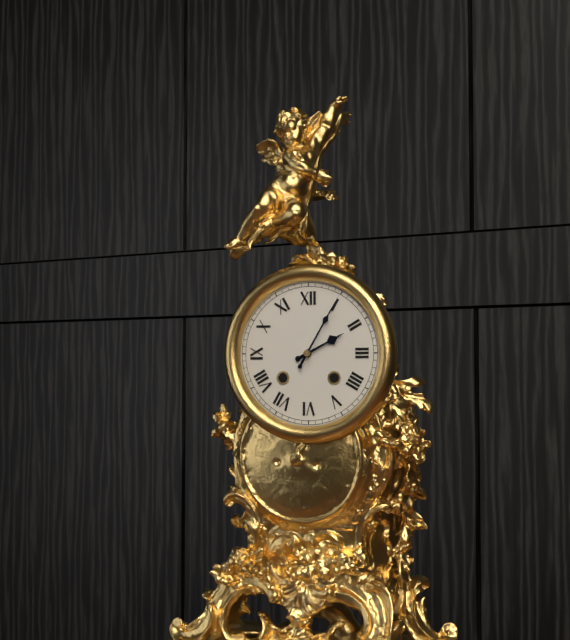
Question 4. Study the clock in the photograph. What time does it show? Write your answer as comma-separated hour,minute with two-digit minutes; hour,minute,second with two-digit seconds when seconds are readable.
2,05
